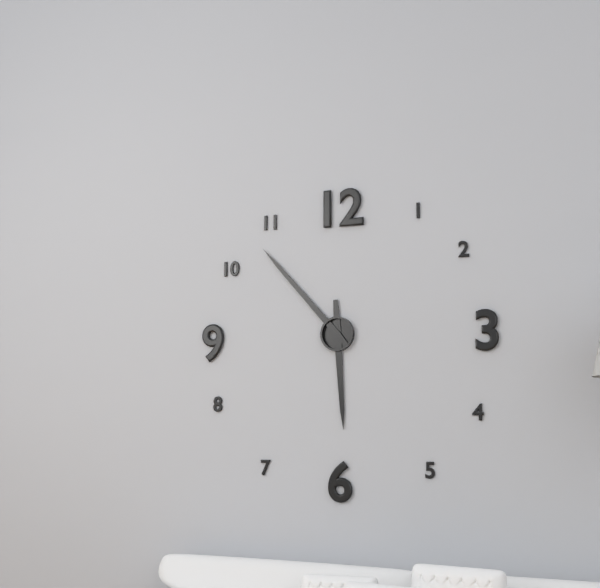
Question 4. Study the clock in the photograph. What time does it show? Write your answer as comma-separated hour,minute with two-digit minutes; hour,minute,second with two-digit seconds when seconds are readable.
5,53
